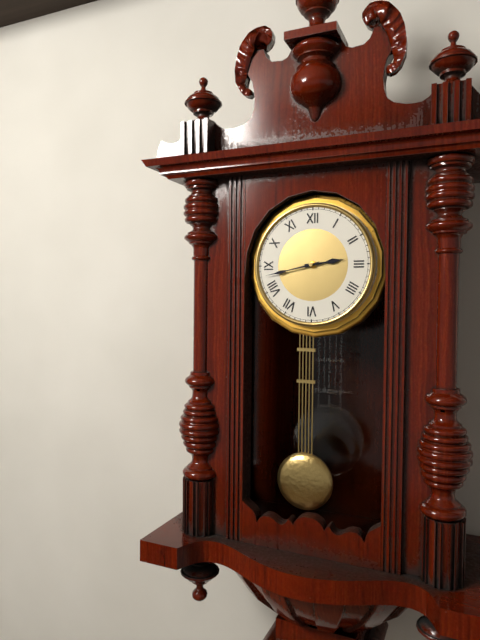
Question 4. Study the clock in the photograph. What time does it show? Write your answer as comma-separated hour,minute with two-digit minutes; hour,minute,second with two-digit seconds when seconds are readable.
2,43
